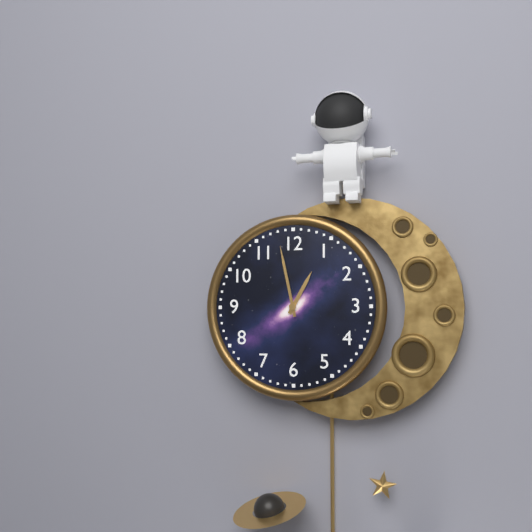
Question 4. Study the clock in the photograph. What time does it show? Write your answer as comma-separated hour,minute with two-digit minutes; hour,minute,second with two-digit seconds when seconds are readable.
12,58
